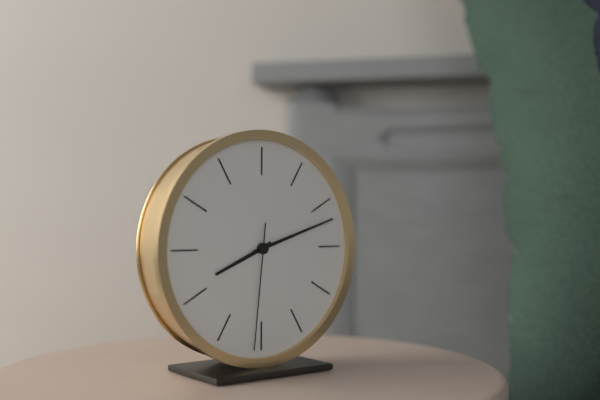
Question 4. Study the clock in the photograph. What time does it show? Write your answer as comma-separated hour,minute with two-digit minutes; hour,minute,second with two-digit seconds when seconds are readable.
8,12,31
